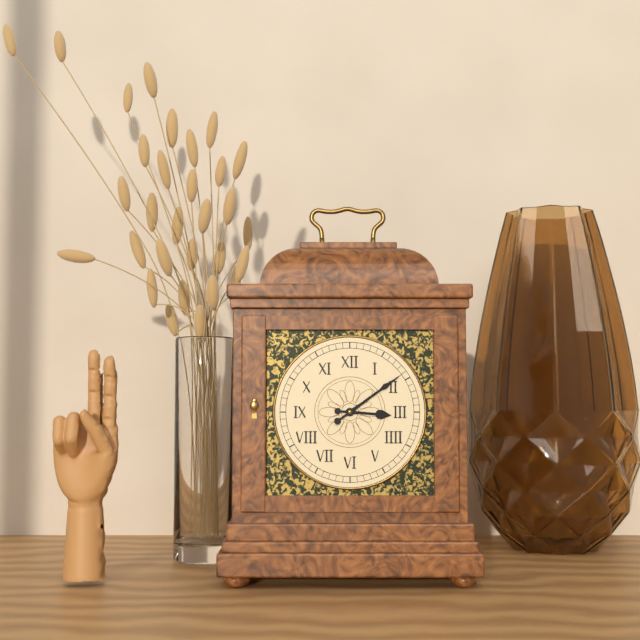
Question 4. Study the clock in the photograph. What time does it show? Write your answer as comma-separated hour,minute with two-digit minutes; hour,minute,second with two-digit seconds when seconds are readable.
3,09
